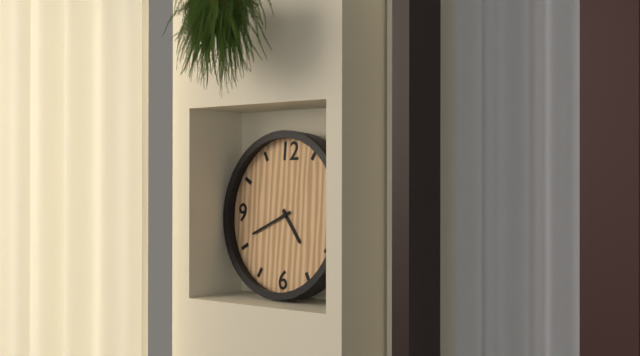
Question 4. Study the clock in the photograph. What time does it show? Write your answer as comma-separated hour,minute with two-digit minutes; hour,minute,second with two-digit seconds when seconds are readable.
4,41
